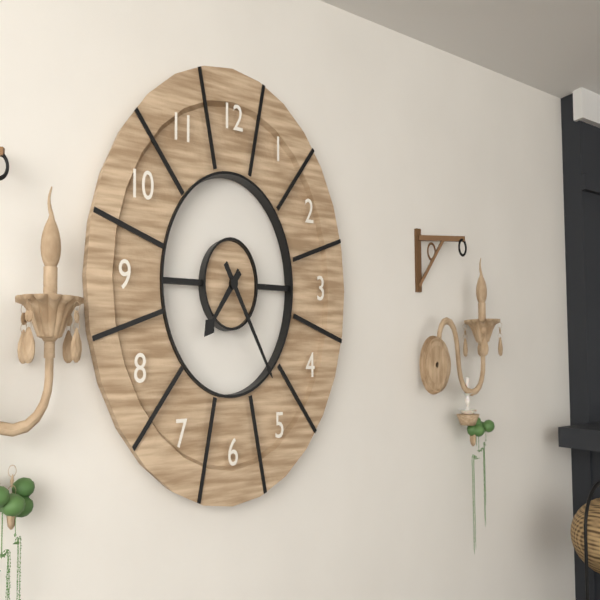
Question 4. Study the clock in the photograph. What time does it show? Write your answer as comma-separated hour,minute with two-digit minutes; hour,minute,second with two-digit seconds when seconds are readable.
7,24
